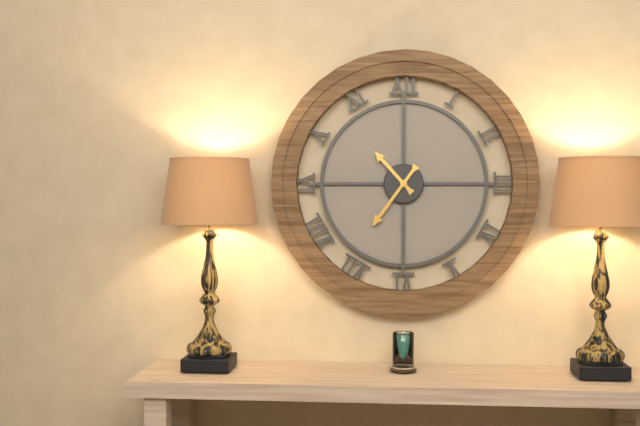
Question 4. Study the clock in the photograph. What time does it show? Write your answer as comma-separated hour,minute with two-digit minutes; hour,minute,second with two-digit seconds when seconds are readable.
10,36
